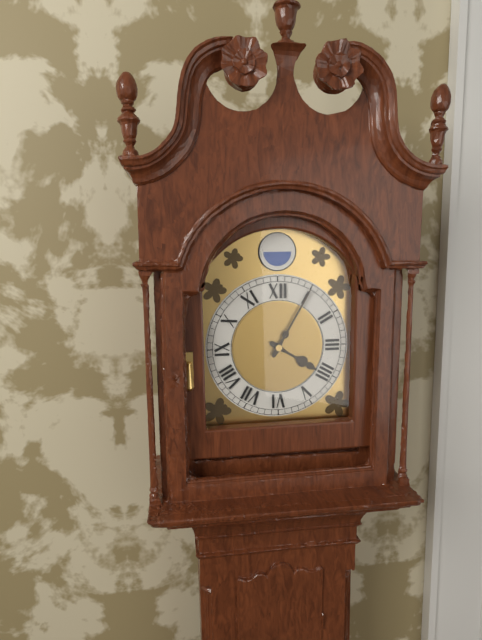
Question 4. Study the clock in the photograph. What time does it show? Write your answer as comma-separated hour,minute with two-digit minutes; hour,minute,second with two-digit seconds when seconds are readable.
4,05
